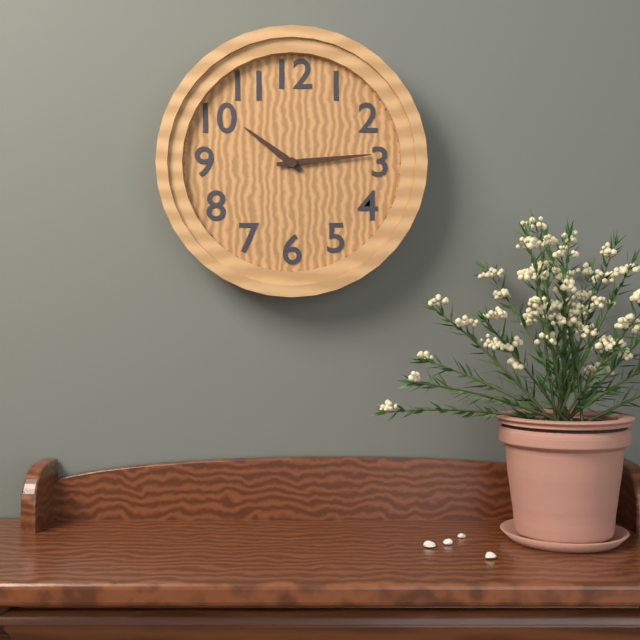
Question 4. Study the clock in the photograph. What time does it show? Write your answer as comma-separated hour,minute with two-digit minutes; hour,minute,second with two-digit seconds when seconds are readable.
10,14
